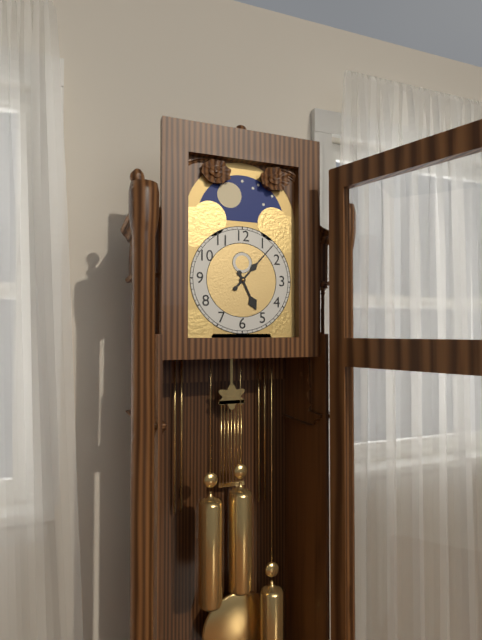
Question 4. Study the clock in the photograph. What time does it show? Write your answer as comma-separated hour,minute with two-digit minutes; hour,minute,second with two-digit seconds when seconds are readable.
5,07
